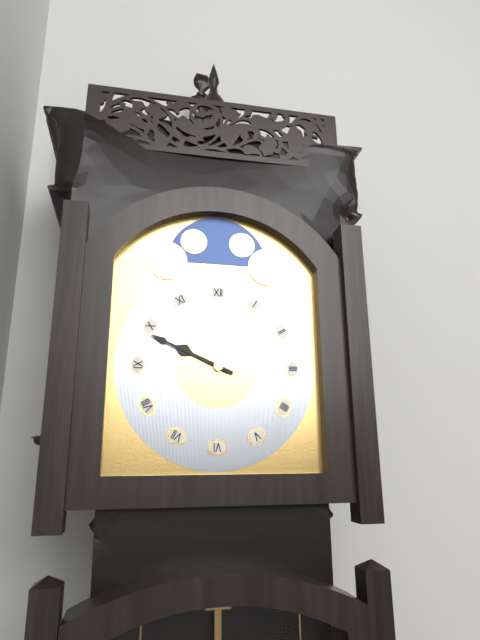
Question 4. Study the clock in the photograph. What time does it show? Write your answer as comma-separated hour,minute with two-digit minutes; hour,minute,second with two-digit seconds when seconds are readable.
9,49
